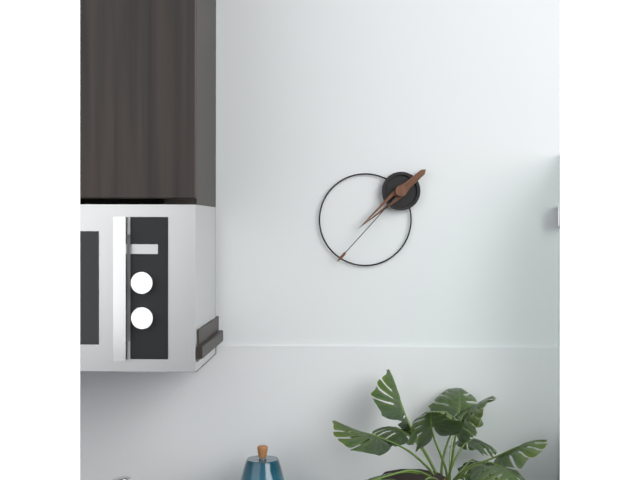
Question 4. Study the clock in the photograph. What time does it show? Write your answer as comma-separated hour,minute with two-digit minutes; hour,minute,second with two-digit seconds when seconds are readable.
7,37
